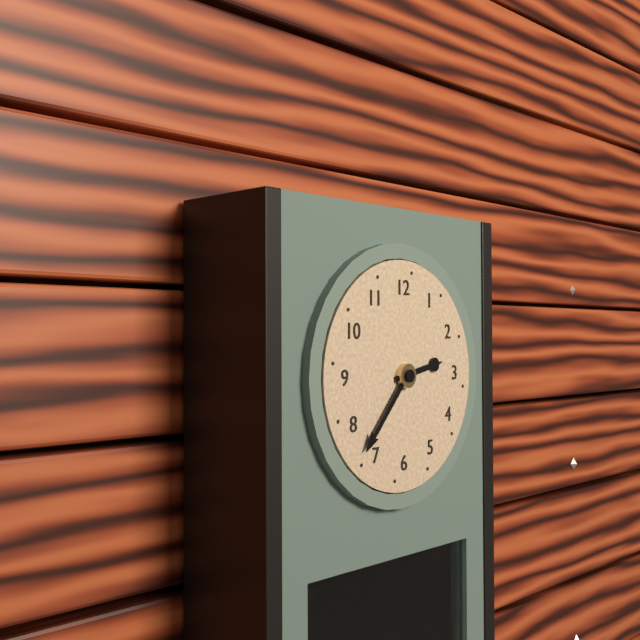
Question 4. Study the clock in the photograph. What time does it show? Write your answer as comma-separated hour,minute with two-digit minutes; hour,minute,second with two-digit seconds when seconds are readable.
2,37
